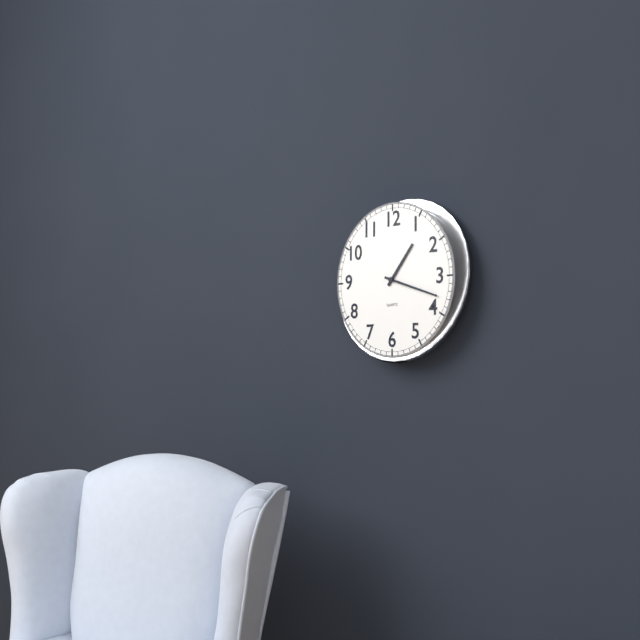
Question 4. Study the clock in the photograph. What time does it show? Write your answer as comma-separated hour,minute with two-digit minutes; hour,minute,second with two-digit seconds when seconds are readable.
1,18
